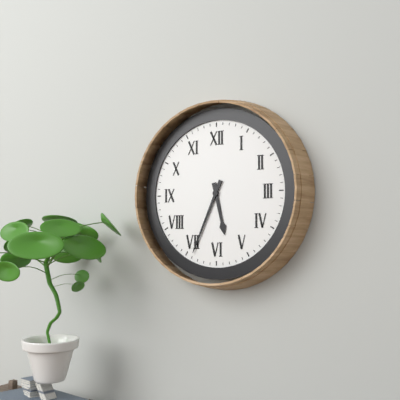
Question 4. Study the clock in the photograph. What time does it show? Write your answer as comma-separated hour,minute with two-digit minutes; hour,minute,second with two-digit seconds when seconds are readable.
5,34
